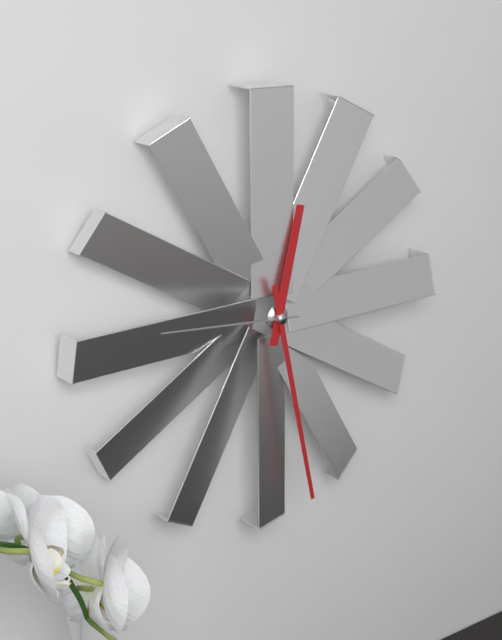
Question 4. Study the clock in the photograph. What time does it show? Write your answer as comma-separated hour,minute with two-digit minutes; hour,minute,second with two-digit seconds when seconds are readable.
12,28,46
